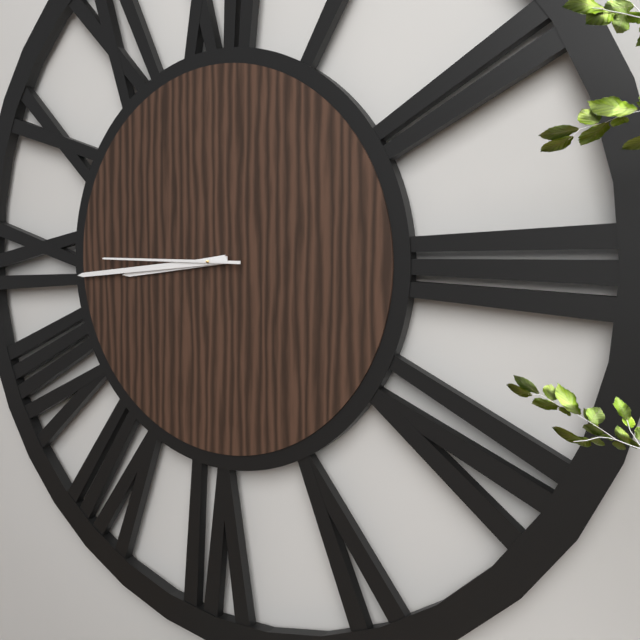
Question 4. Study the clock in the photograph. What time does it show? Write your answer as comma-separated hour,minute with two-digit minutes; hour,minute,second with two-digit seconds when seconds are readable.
8,44,45
